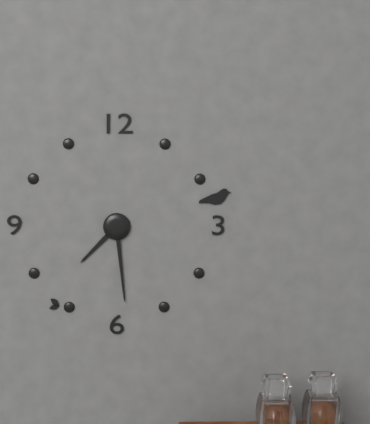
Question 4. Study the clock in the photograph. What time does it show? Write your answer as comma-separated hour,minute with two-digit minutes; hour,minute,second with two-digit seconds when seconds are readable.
7,29
